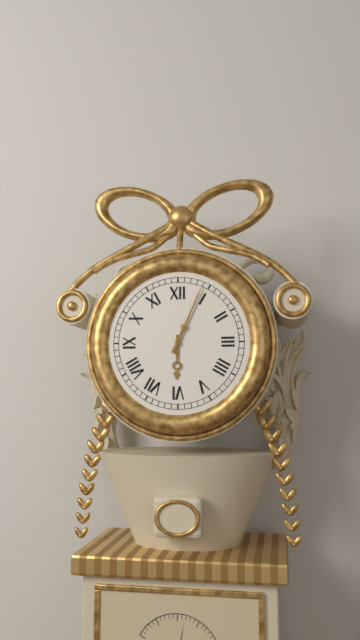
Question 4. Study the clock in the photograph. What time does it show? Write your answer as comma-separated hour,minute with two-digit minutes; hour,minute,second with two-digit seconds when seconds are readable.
6,04
